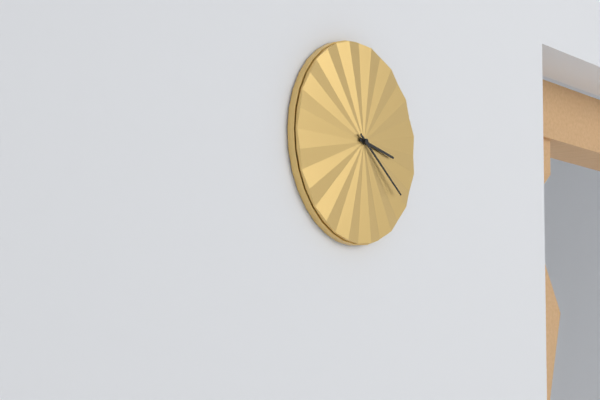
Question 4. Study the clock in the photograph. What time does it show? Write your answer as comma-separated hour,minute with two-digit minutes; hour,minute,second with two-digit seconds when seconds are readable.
3,21
